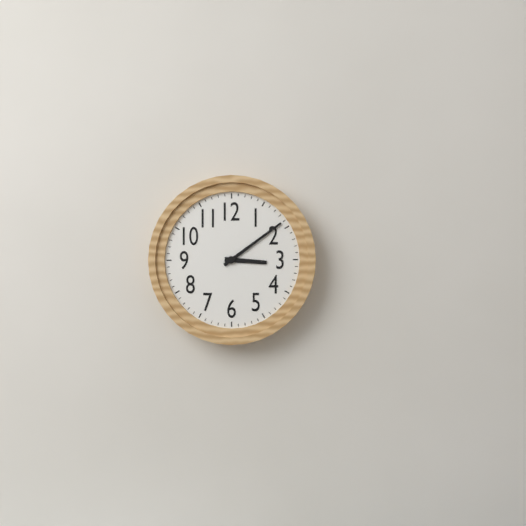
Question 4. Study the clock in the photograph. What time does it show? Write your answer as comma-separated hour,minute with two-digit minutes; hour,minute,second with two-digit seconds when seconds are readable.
3,09
